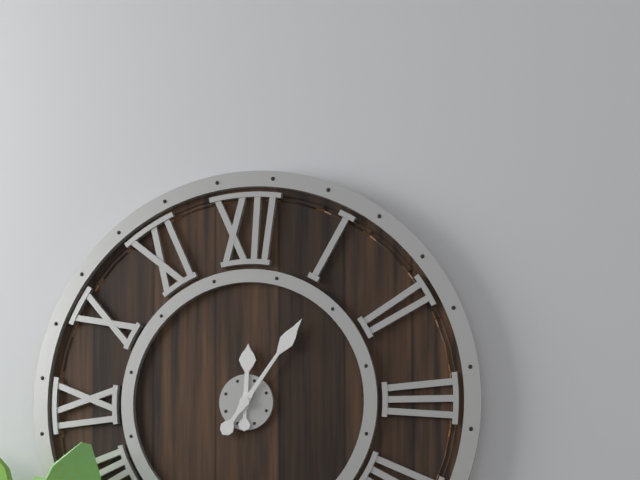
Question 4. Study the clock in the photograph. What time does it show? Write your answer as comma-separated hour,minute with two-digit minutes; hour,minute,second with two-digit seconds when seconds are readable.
12,06
